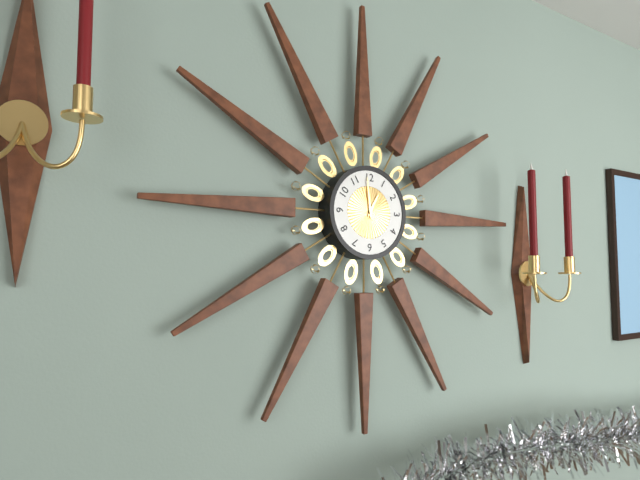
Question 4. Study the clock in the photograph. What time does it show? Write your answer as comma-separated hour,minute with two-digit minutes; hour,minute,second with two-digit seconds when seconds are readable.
12,59
